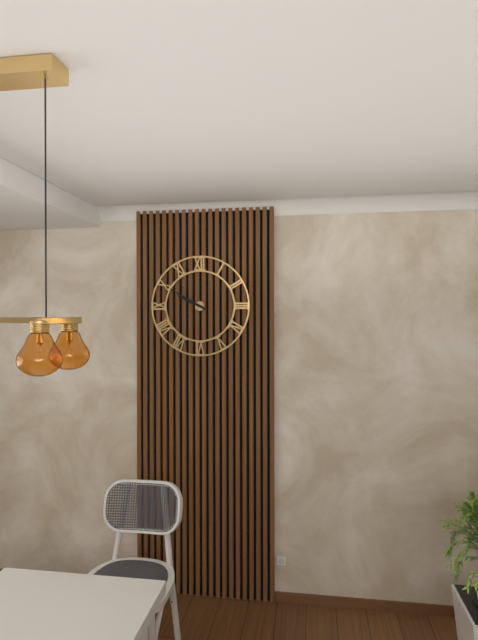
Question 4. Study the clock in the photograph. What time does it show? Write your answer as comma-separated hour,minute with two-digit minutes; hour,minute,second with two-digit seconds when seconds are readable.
9,50
